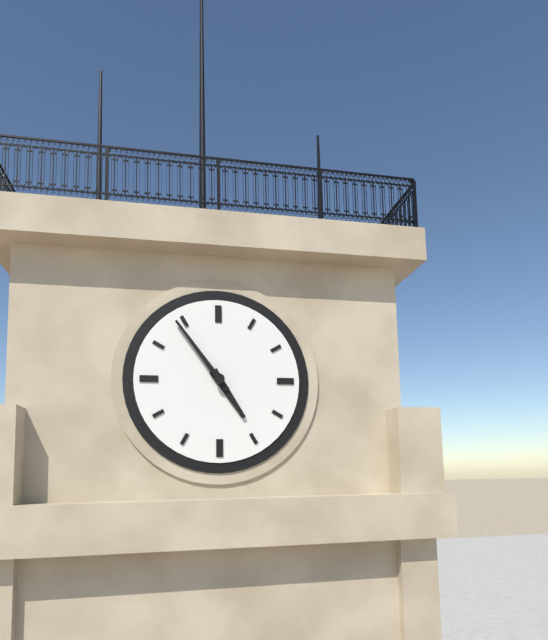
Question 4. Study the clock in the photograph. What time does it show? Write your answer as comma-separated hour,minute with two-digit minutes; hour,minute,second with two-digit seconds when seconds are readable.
4,54
